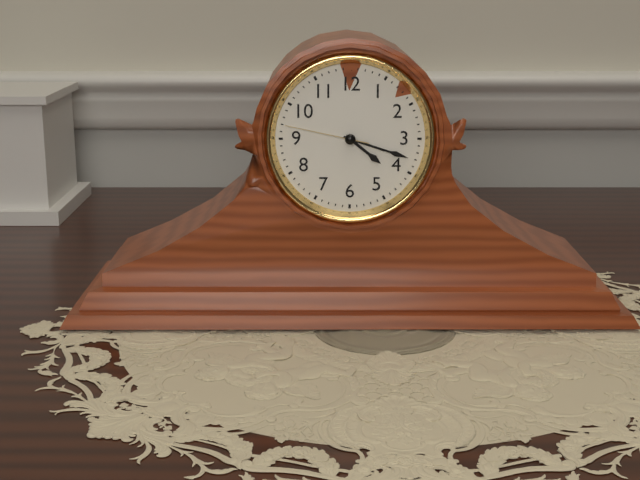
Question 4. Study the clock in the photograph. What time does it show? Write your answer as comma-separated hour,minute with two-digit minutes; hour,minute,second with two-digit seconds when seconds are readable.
4,18,47
